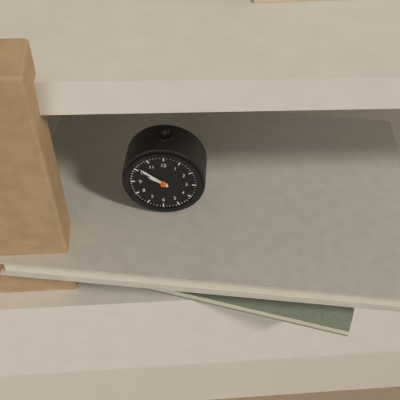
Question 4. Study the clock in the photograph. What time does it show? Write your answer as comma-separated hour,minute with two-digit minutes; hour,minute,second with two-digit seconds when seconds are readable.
9,51
